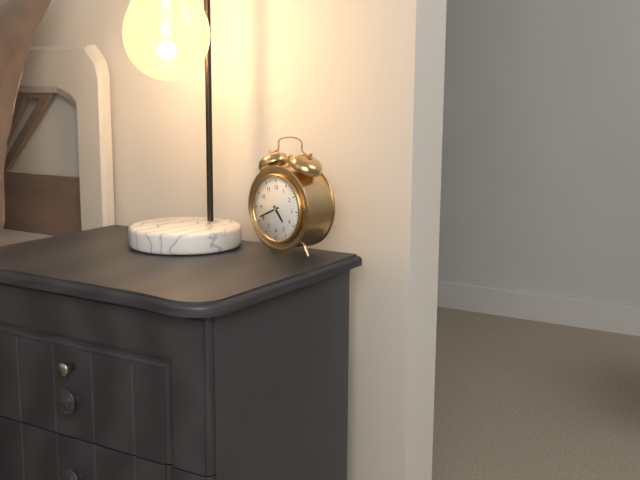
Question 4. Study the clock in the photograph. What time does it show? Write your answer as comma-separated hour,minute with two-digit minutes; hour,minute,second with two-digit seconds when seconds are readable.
4,41
